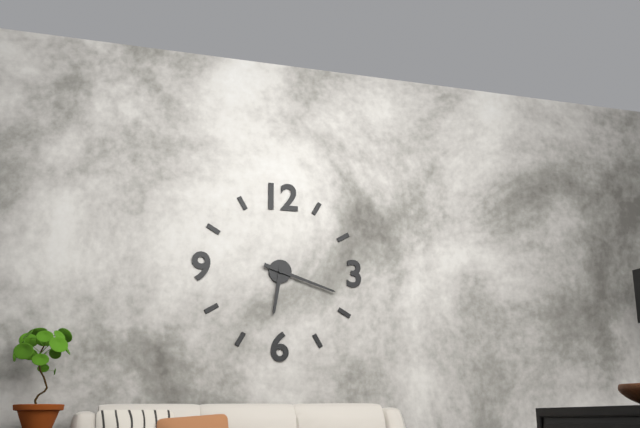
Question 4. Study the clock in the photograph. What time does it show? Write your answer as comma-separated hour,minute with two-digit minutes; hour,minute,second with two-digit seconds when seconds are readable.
6,18
